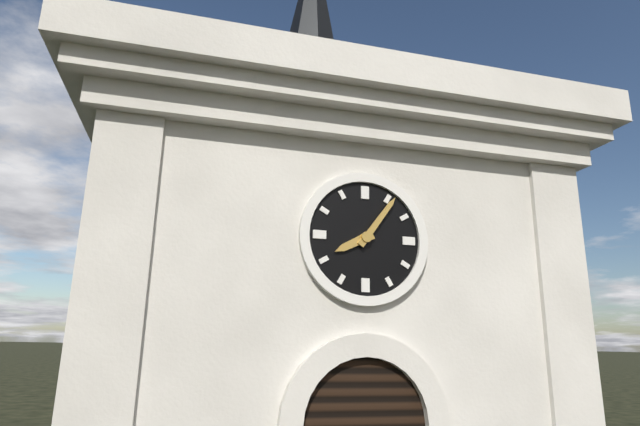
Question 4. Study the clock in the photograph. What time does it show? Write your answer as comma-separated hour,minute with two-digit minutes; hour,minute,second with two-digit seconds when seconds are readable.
8,06
